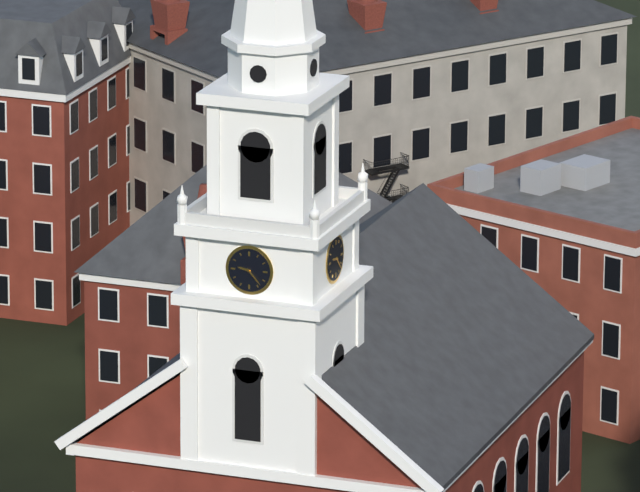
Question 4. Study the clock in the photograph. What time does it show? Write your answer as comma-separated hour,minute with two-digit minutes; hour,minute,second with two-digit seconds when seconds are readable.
9,23
